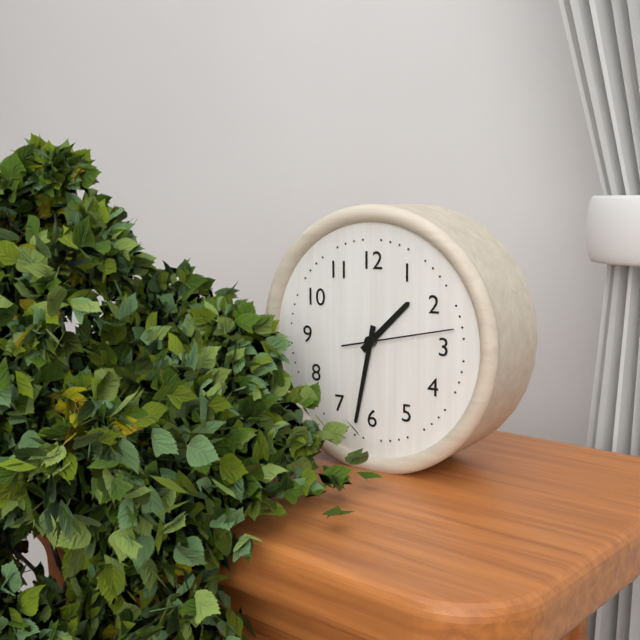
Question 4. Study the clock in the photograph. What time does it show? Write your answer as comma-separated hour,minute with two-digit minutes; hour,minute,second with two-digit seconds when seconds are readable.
1,32,13
